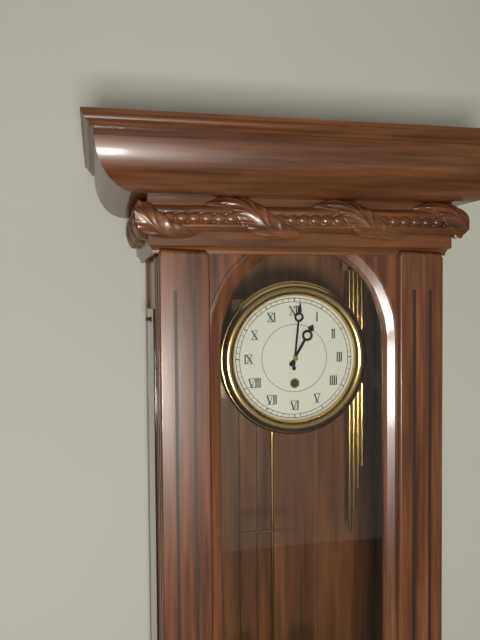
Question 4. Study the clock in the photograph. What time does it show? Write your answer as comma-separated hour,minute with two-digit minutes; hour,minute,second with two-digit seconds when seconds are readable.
1,01
